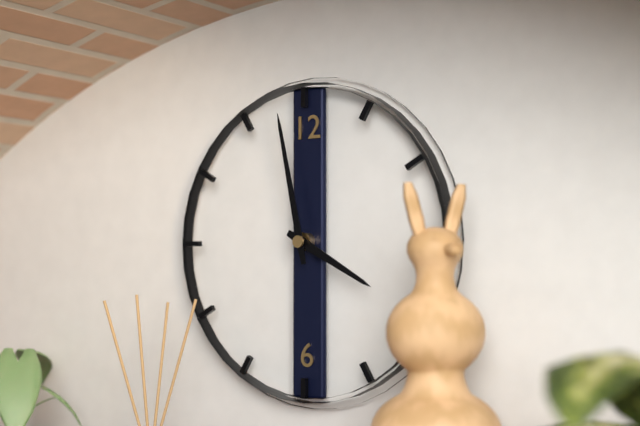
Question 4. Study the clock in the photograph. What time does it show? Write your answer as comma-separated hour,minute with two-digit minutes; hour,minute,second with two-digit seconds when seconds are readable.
3,58
